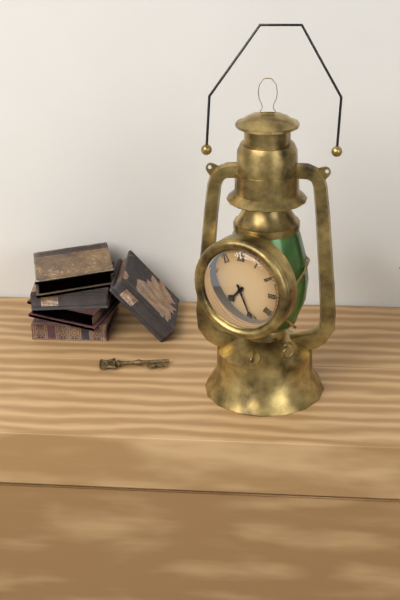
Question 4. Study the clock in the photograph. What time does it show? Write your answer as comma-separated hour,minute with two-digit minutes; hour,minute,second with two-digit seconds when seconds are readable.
7,26
